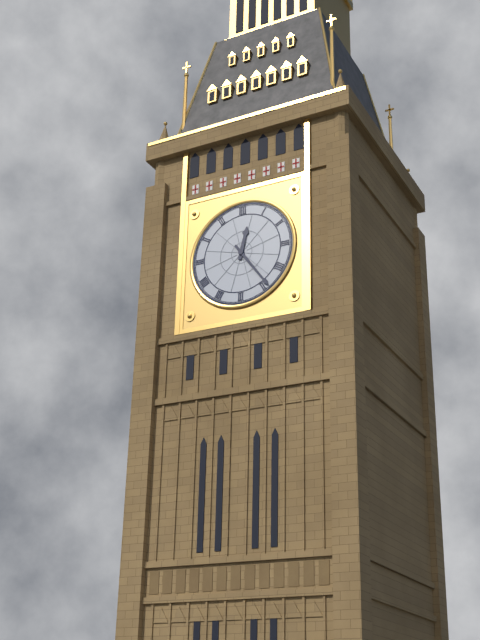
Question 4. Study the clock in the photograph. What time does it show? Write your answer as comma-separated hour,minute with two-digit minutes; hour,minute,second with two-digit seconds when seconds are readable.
12,24
